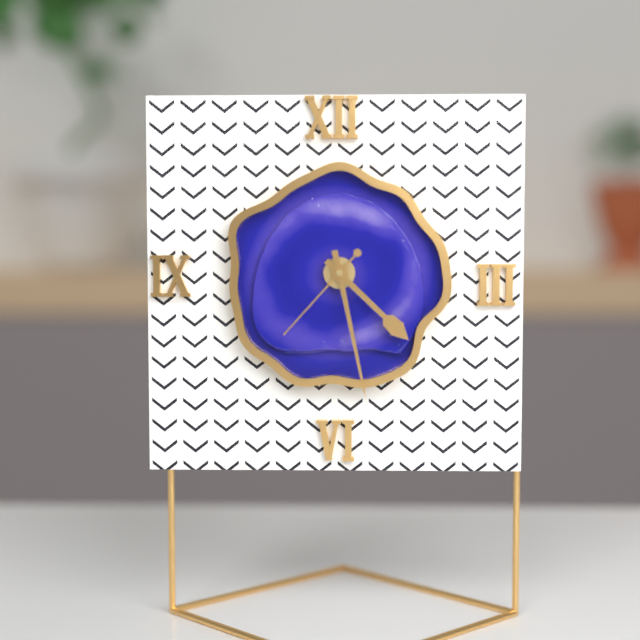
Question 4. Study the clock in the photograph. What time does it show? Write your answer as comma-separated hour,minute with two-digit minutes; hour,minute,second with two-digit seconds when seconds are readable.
4,28,37
